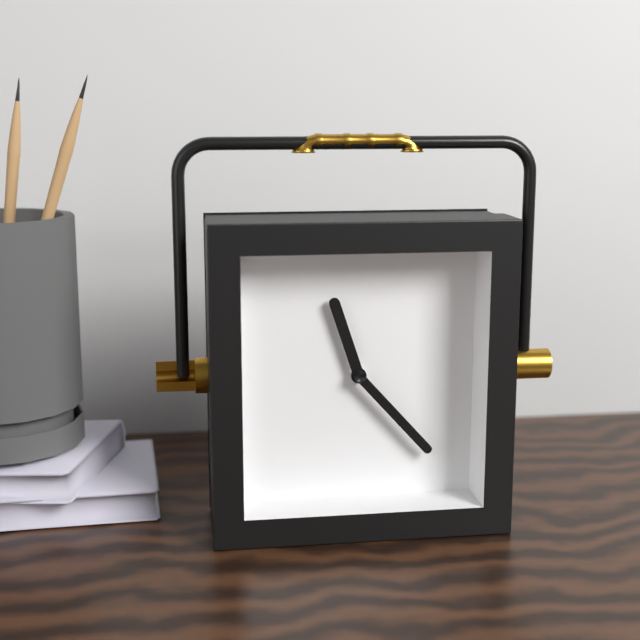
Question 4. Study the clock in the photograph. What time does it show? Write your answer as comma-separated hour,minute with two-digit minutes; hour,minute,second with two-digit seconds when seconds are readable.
11,23
